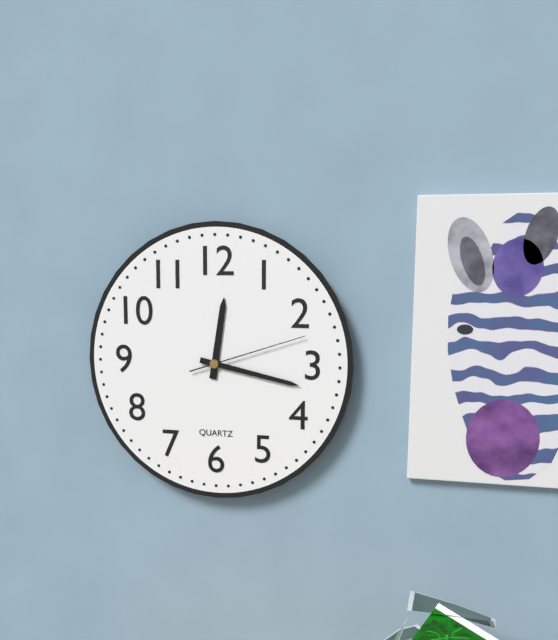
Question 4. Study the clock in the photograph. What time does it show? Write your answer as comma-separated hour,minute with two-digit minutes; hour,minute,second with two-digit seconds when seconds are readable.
12,17,12
